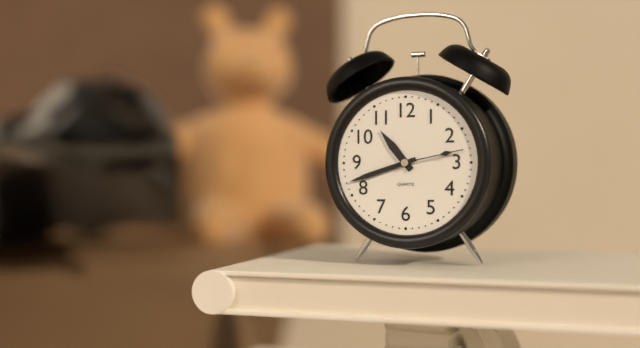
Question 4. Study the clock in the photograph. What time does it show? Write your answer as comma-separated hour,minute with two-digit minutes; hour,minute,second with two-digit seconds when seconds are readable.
10,42,13
